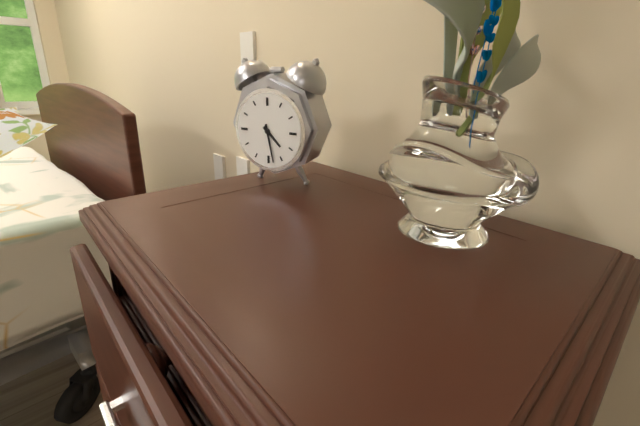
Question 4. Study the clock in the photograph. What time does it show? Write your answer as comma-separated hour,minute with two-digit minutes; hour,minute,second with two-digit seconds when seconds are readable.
4,28
